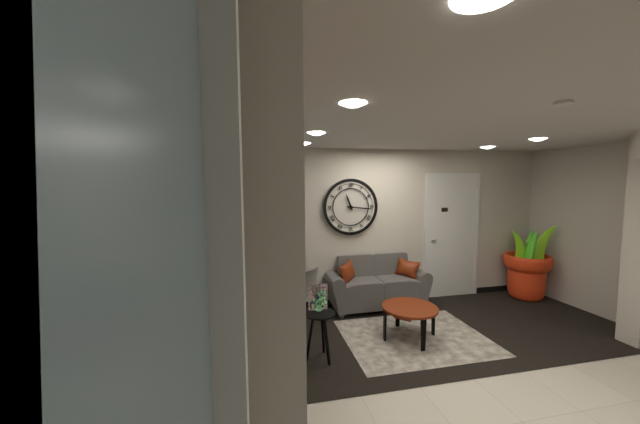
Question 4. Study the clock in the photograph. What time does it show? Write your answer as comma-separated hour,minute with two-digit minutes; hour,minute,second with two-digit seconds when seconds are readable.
11,16
